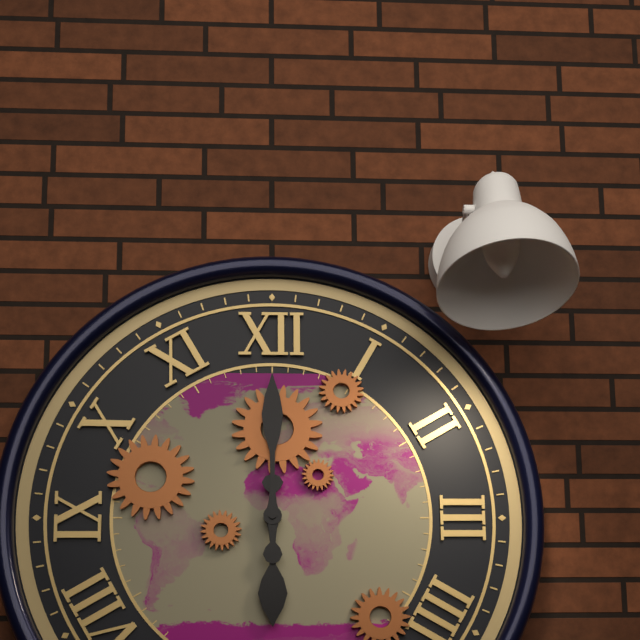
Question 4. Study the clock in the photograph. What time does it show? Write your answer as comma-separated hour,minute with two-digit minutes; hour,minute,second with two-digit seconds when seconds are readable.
6,00
